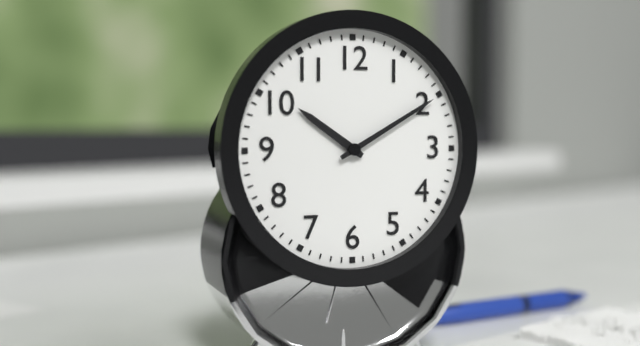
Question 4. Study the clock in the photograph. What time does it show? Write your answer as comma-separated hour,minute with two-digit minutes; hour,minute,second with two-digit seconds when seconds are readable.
10,10
